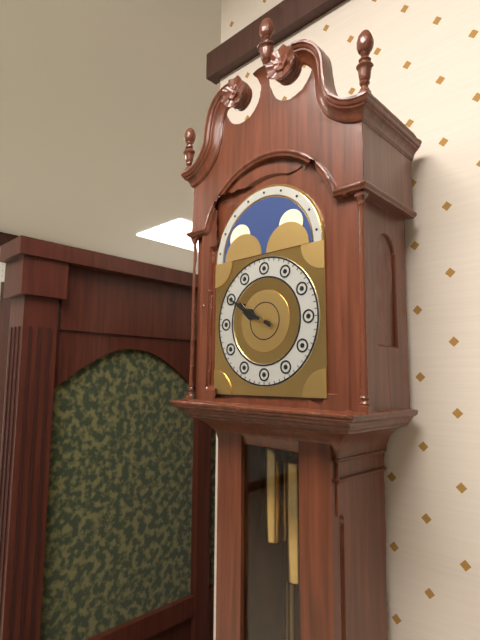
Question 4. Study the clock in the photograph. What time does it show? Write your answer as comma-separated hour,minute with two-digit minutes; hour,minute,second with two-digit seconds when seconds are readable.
9,50
